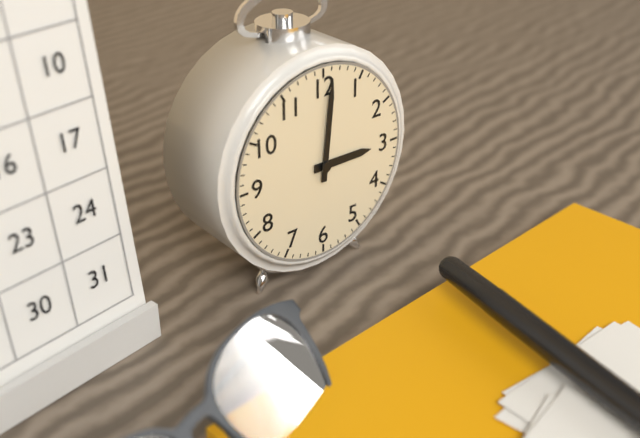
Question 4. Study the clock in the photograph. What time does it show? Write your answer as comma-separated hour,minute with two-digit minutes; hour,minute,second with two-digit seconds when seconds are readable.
3,01
